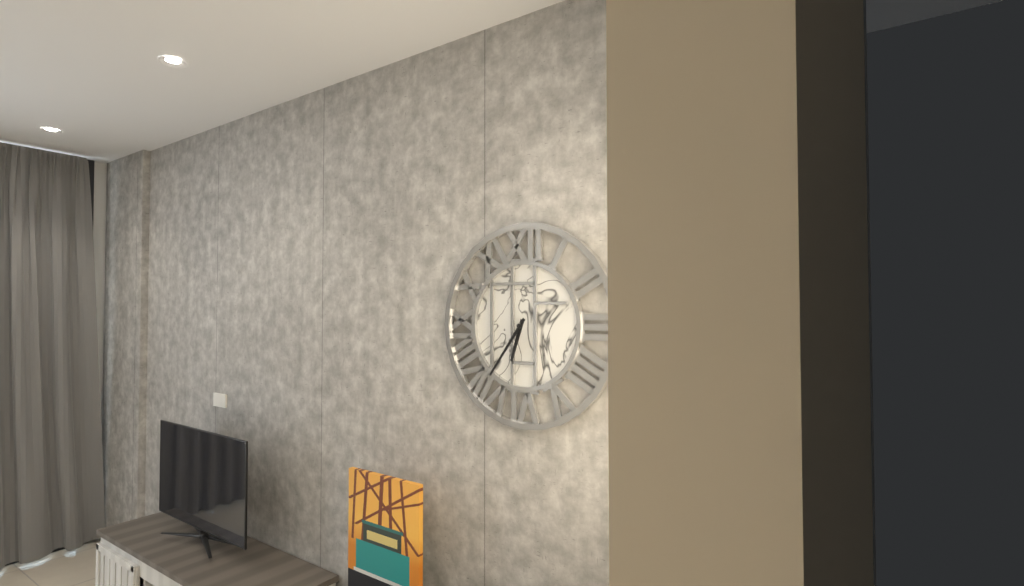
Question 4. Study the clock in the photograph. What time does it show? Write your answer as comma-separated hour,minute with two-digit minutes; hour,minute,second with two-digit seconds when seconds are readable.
6,36
